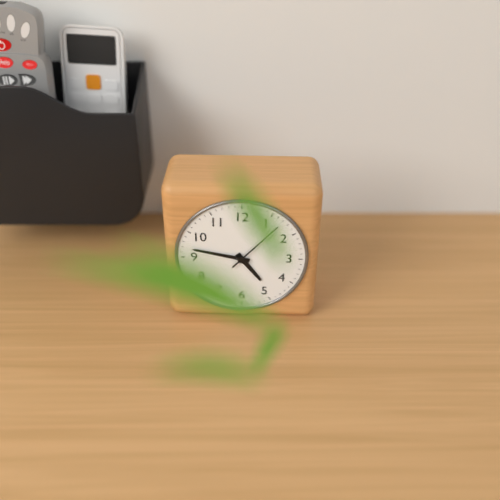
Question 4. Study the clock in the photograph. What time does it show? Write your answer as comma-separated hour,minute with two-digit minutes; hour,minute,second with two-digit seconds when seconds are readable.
4,47
